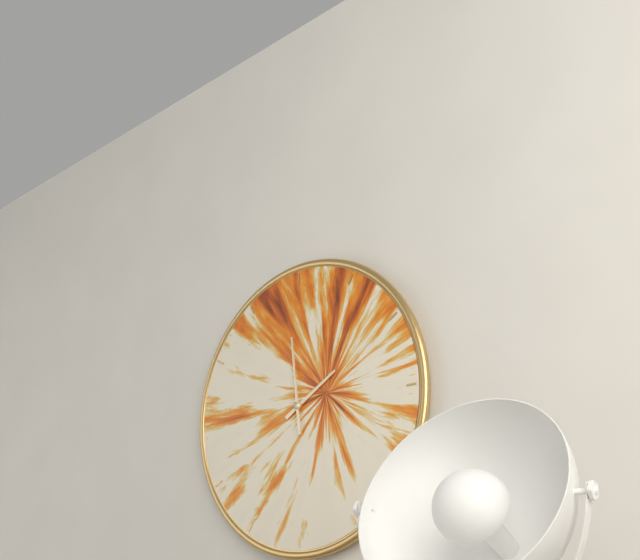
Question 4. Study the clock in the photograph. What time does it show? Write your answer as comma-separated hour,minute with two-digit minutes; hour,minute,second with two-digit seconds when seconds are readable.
1,59
